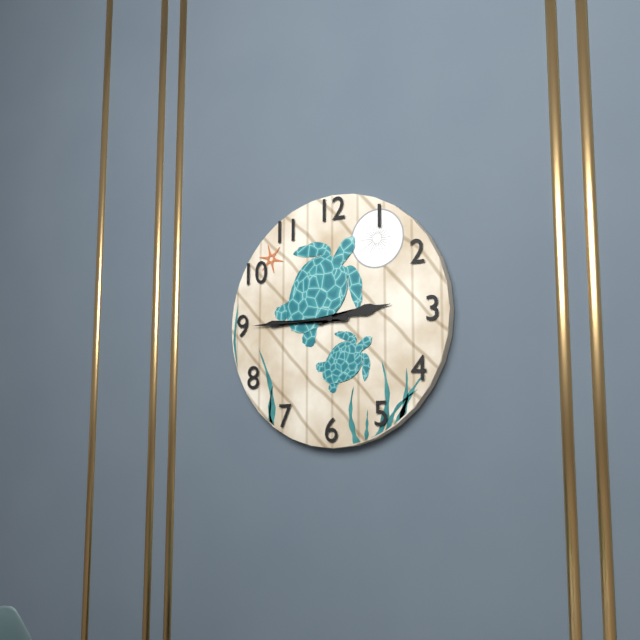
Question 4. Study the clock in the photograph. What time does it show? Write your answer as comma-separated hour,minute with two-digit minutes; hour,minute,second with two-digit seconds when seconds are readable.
2,45
